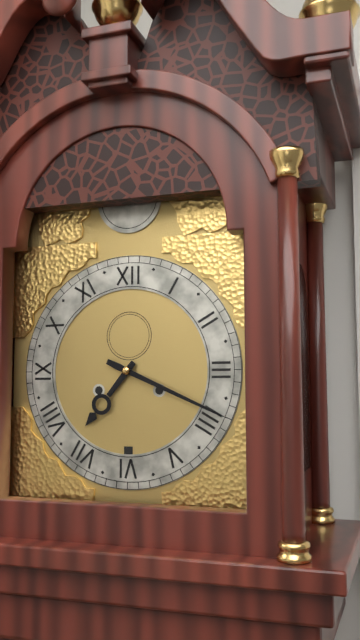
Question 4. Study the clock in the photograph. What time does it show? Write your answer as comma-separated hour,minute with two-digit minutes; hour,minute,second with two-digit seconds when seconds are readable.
7,19
